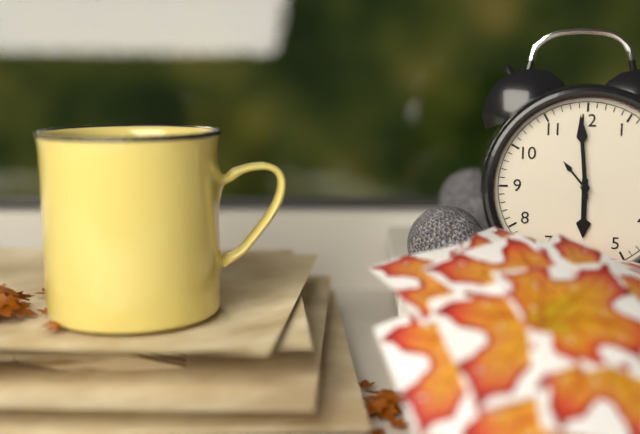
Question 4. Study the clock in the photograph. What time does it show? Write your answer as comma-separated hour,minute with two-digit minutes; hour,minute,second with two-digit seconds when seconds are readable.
5,59
